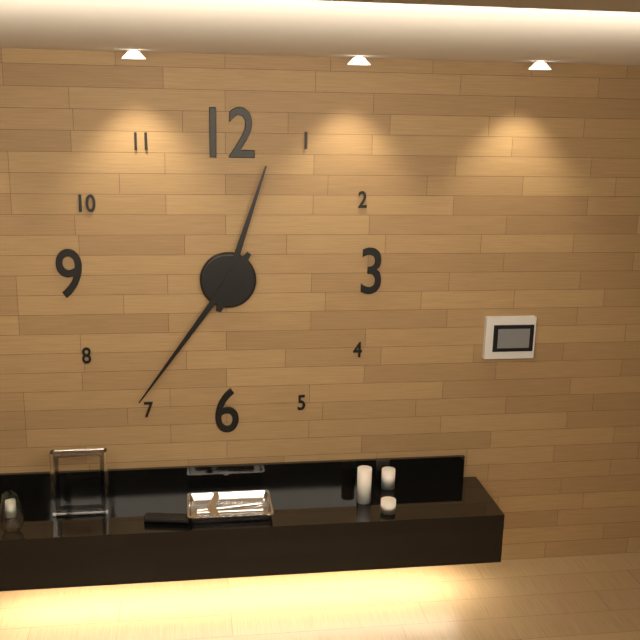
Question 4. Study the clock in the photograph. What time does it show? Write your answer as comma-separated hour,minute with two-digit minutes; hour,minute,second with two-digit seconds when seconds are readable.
12,36
